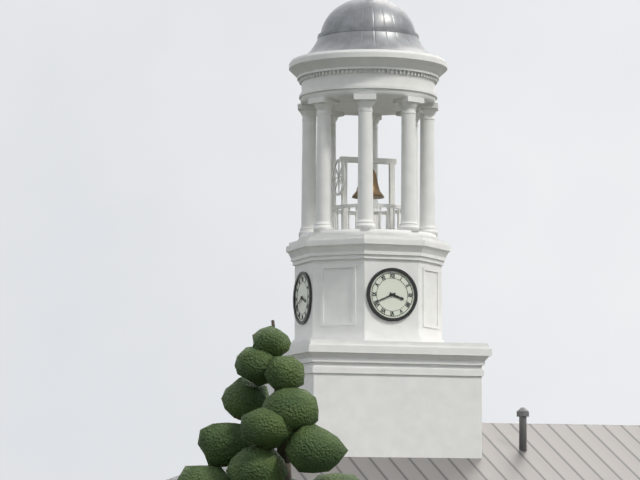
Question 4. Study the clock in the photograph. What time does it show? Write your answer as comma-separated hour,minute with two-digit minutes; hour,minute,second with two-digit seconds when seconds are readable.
3,41
